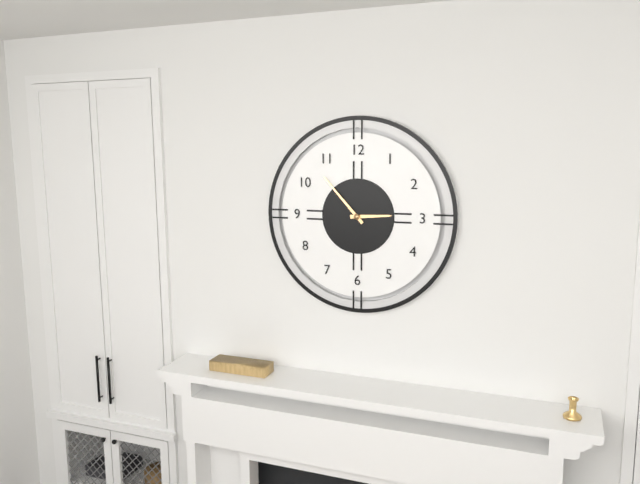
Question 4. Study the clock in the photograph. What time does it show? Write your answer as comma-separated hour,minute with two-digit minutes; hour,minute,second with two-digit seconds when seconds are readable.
2,53
